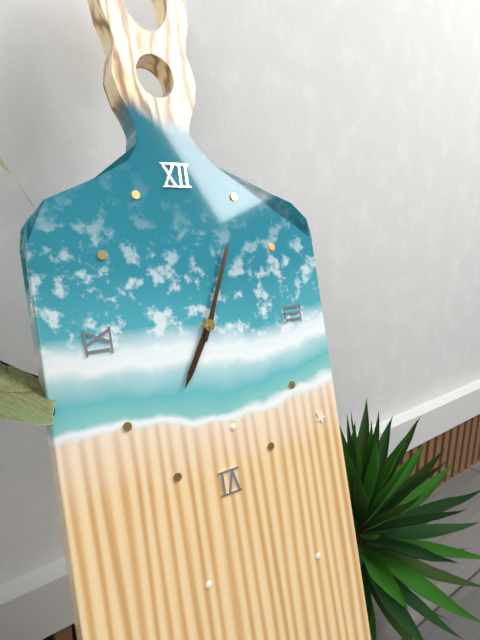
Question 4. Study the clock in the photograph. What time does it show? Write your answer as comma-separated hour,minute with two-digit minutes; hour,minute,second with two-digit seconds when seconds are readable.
7,04
